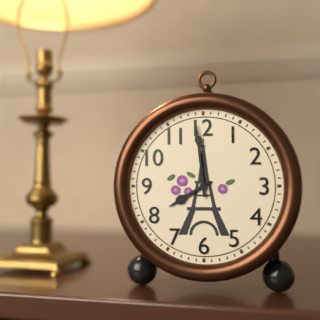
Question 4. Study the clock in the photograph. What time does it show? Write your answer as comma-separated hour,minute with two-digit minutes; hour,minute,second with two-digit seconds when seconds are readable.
7,59
